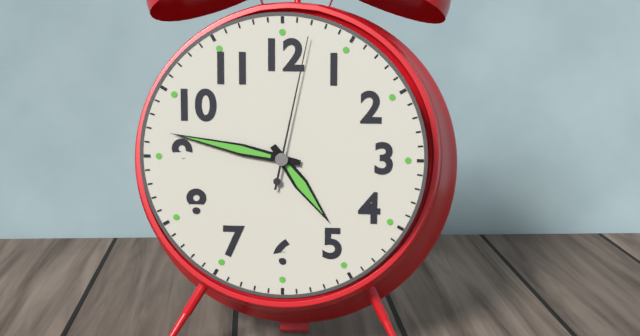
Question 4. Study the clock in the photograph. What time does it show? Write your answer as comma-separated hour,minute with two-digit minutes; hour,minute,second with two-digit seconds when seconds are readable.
4,47,02
